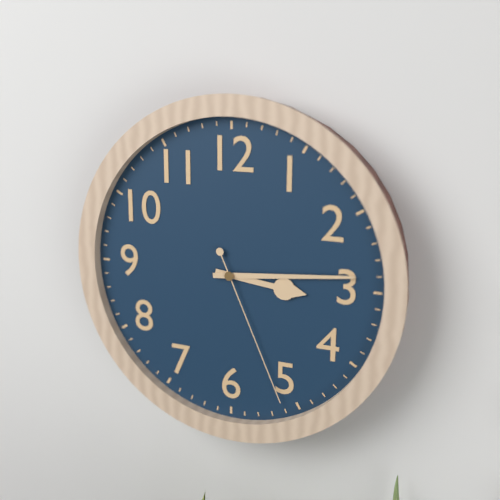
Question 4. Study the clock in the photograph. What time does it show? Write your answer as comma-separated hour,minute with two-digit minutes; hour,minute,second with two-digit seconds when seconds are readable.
3,14,26
